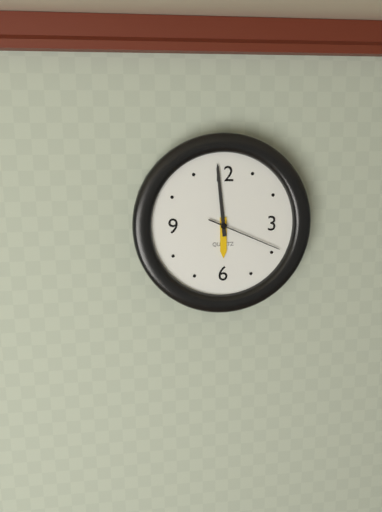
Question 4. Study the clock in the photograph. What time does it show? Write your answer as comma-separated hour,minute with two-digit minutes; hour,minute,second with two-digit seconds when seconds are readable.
5,59,19
